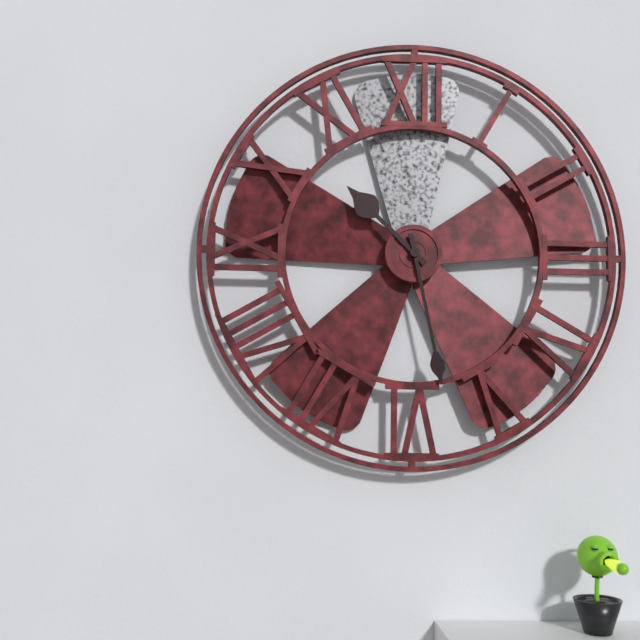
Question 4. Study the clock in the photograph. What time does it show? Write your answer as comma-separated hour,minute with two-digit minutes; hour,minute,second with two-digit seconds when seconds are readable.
10,28
